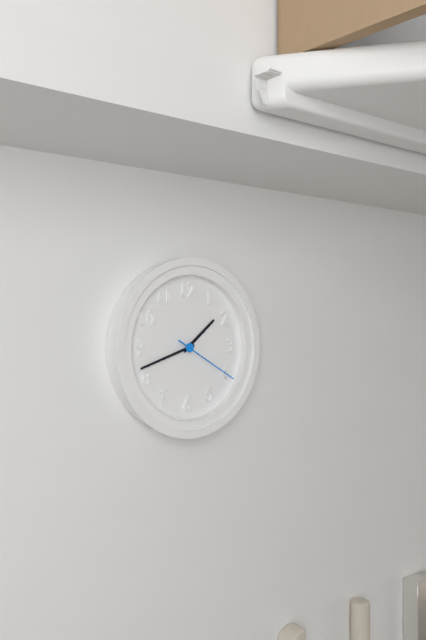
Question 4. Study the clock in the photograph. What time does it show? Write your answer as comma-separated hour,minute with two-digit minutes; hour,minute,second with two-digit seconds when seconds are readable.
1,42,20
